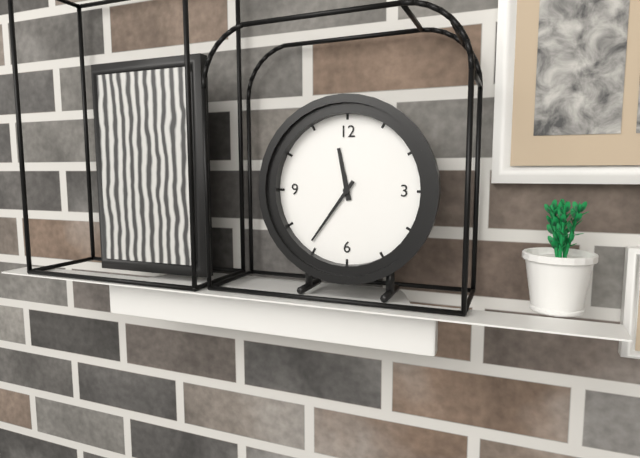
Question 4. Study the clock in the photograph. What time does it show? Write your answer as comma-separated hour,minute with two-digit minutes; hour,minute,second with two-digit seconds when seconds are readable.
11,36
